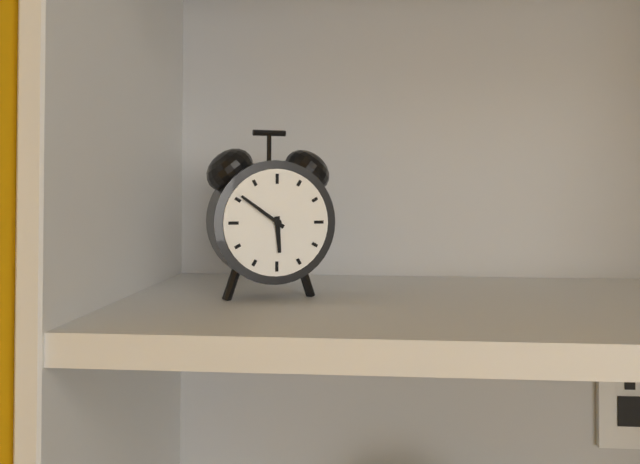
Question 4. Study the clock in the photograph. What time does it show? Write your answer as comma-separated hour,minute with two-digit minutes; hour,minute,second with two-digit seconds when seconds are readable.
5,51
